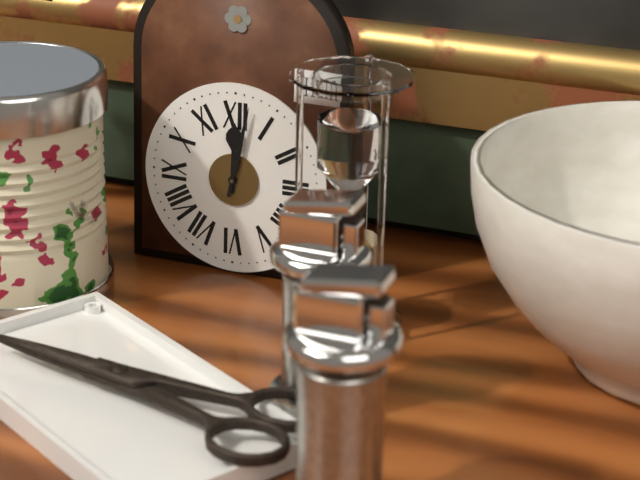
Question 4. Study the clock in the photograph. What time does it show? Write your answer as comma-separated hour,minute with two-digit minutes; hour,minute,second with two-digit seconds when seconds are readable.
12,02
